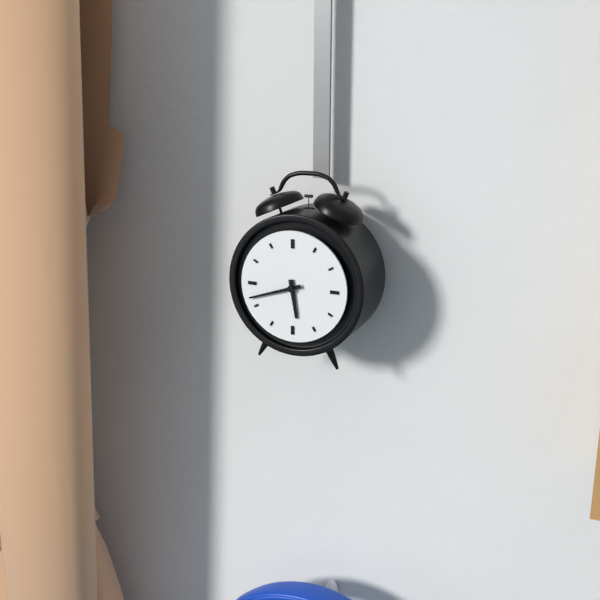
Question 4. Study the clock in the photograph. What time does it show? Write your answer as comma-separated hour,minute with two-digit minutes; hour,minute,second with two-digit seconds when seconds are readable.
5,42
